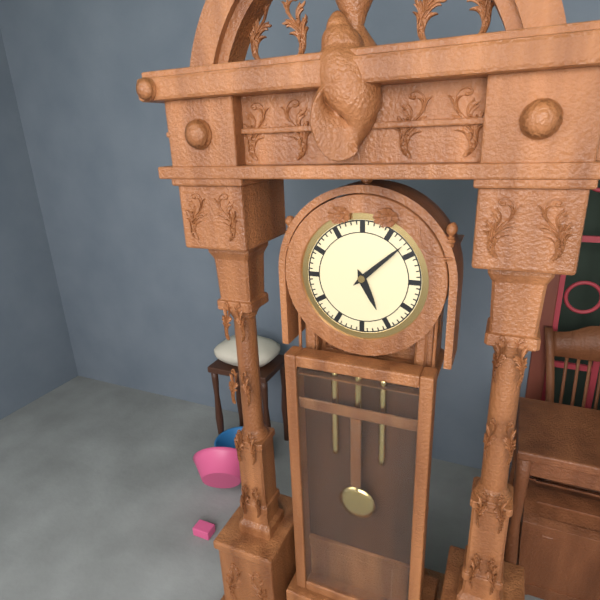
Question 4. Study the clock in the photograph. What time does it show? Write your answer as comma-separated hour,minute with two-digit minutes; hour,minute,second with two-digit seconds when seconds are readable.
5,08
